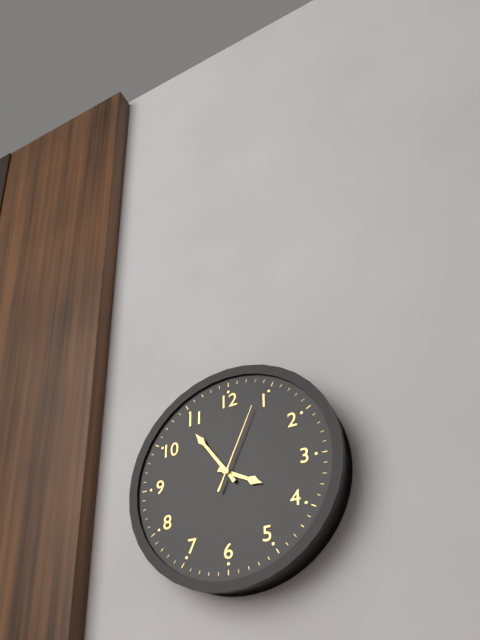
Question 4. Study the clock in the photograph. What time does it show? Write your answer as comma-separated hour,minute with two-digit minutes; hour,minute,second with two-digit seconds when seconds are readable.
3,54,04
